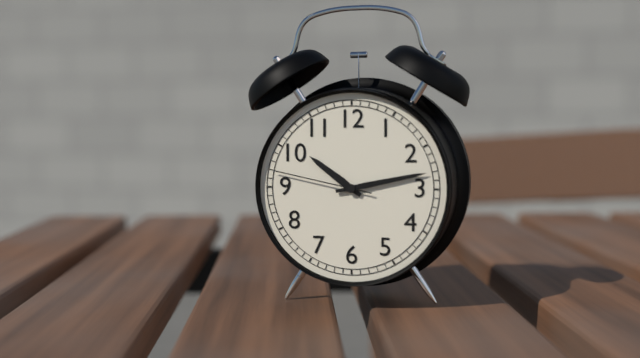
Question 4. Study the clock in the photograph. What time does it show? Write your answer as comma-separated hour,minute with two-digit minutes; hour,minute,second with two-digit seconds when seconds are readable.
10,13,47
